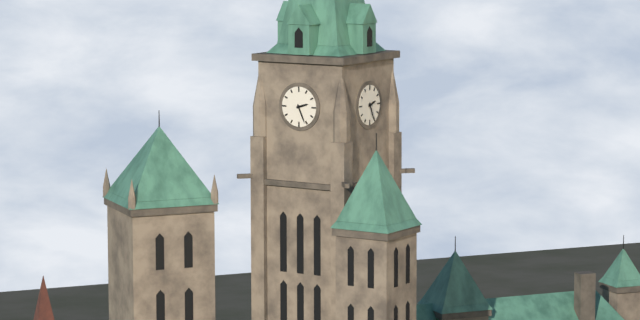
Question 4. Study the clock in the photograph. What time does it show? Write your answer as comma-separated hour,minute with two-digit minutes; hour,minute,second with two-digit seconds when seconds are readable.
2,26
